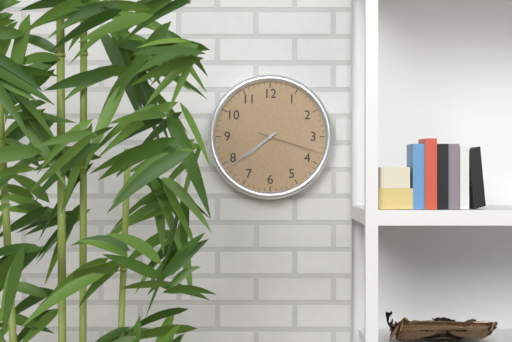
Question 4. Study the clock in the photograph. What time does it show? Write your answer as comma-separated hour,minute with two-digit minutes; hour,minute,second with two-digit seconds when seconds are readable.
7,39,18
